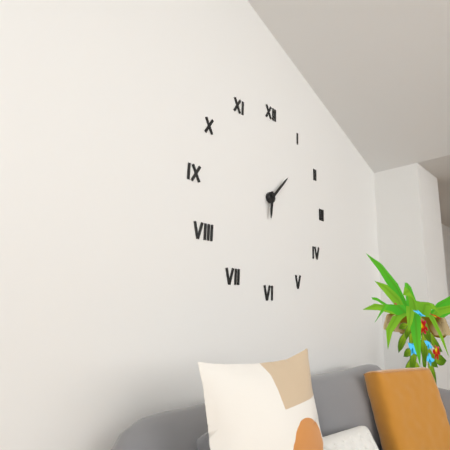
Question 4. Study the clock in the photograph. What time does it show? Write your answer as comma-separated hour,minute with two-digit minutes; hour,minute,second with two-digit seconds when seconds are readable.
6,07
